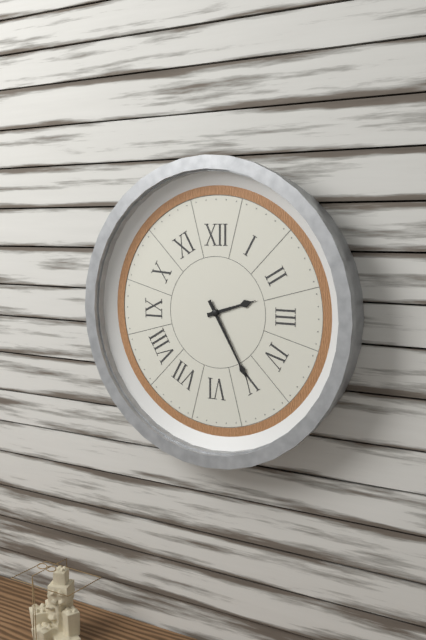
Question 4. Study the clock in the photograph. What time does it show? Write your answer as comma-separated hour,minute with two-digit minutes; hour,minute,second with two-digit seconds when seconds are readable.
2,25
